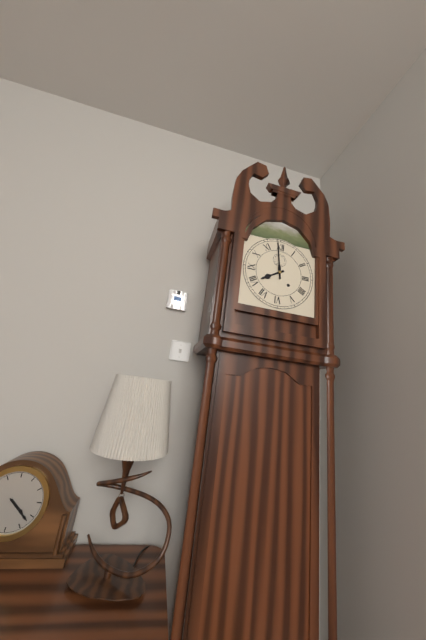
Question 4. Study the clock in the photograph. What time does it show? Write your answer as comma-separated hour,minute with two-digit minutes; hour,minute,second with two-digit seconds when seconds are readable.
7,59
